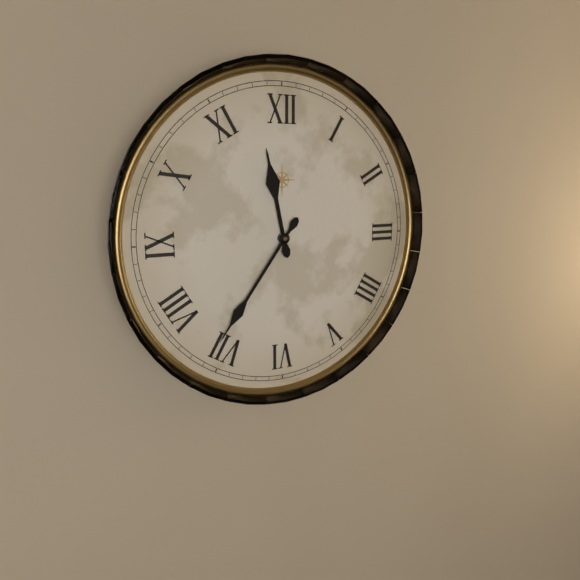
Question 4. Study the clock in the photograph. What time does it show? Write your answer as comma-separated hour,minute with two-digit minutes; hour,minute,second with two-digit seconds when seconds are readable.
11,36
